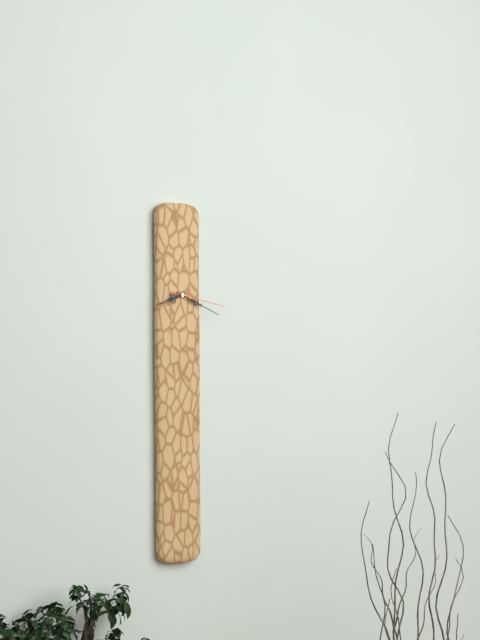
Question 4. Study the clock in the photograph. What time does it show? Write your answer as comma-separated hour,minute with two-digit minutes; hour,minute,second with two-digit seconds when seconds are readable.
8,19,17
